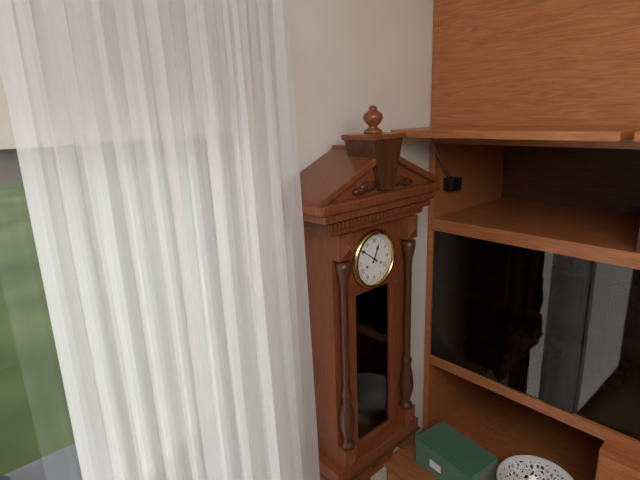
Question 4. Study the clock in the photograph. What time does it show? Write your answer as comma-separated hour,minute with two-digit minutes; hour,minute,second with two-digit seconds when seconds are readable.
12,51
